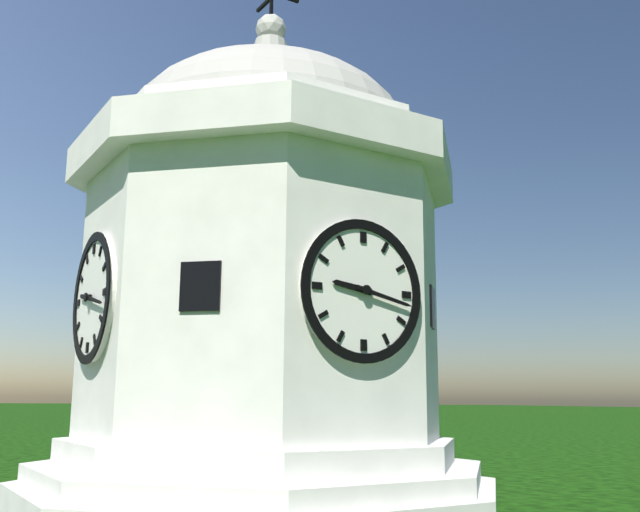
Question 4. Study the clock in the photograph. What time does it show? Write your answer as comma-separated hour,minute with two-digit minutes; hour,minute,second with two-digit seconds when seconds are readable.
9,17
